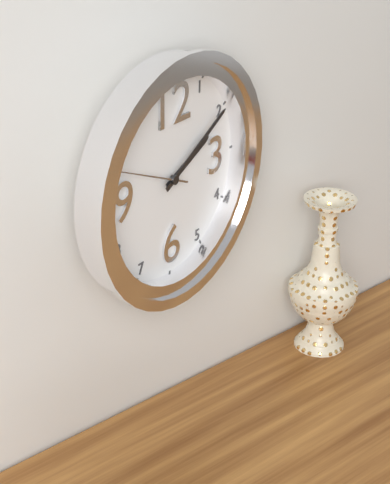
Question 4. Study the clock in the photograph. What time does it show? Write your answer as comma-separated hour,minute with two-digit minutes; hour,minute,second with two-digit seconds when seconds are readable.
2,10,49
